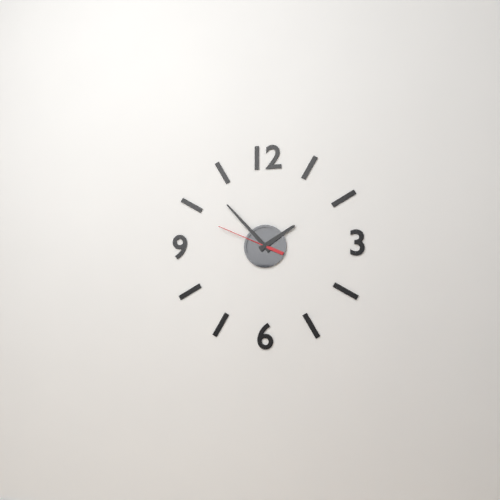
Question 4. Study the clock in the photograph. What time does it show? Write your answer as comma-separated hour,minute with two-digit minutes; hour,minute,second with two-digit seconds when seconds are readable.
1,53,49
